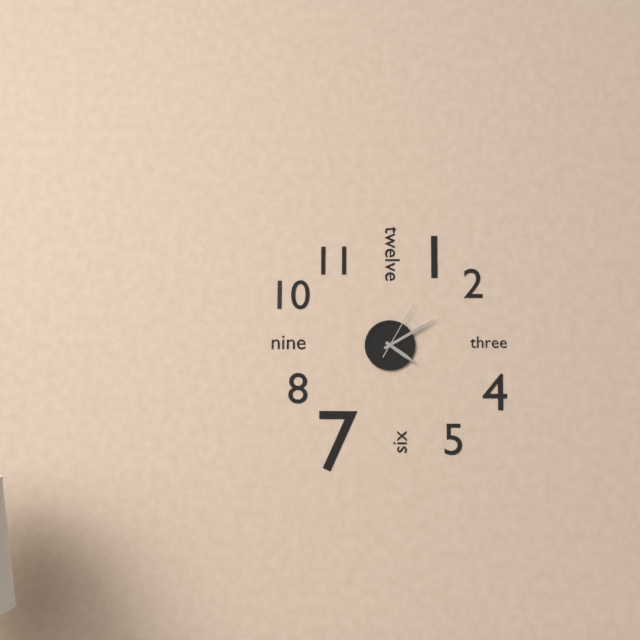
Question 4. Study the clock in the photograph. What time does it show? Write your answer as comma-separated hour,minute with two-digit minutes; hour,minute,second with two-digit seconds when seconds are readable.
4,10,05
